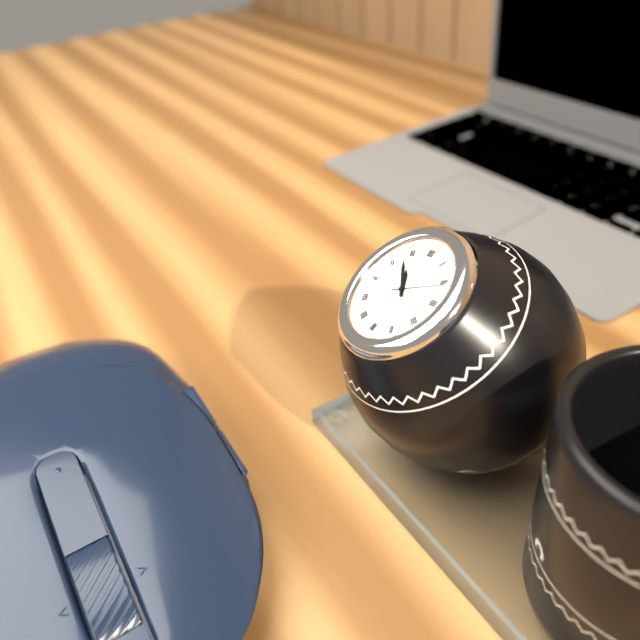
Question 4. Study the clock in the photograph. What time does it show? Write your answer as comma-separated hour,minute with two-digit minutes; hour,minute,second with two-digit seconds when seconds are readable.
10,53,11
